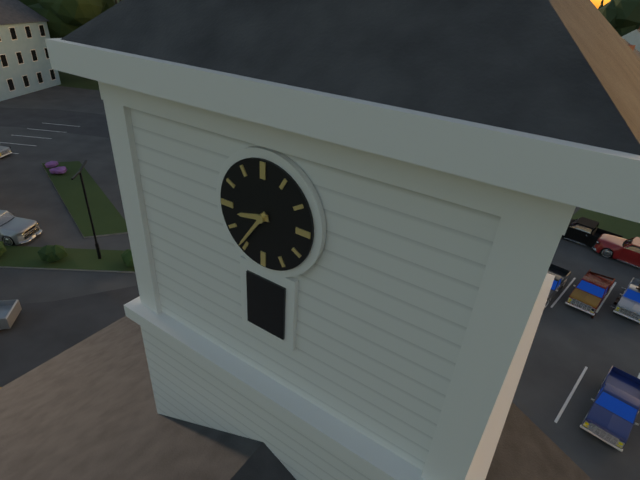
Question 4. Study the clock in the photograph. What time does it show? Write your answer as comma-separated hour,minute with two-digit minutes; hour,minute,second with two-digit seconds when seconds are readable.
8,36
